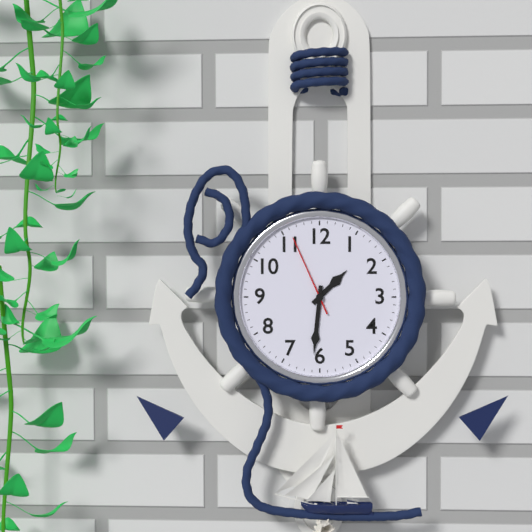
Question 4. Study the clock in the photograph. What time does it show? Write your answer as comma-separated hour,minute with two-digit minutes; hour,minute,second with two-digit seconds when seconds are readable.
1,31,56
